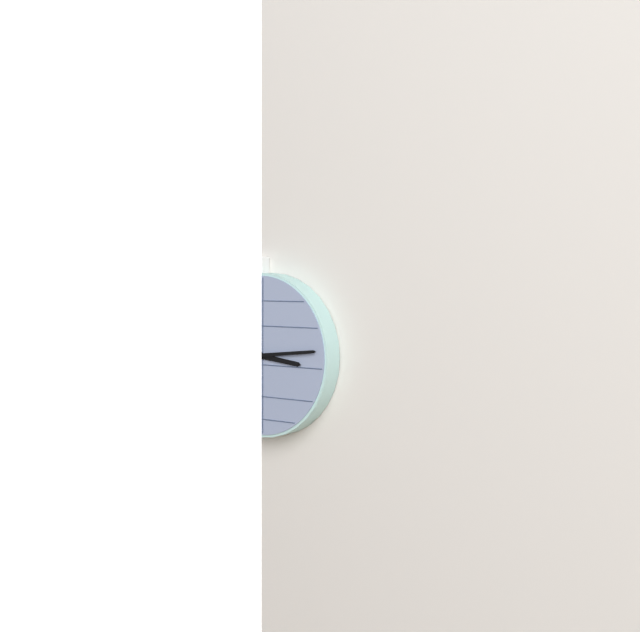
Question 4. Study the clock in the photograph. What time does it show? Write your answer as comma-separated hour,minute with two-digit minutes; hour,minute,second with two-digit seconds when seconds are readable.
3,14
